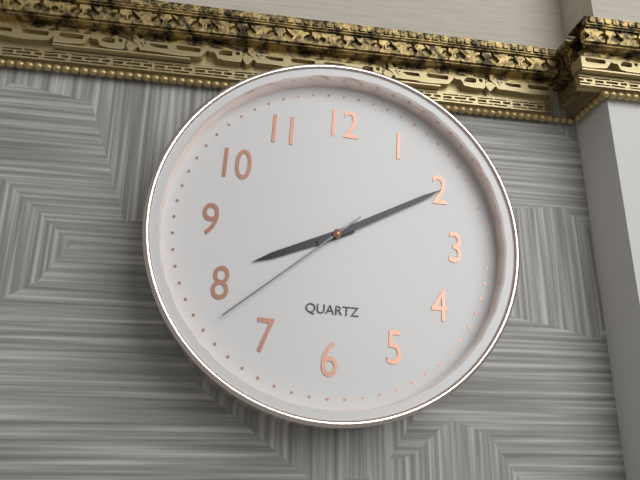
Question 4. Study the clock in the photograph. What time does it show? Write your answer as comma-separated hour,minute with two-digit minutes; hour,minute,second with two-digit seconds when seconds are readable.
8,10,38
